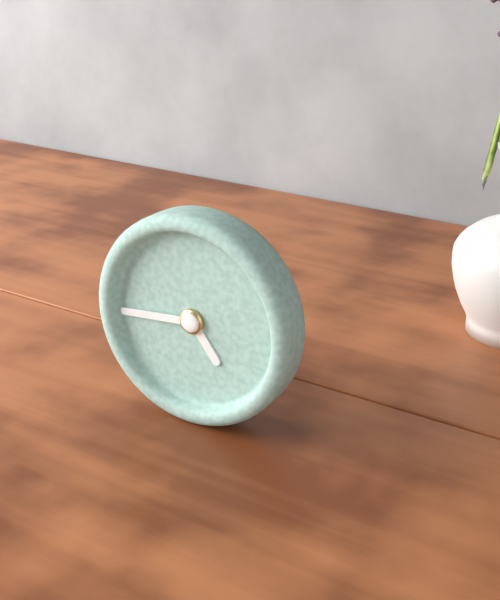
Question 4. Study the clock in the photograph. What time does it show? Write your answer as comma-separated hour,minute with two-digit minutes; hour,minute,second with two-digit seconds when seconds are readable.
4,44
